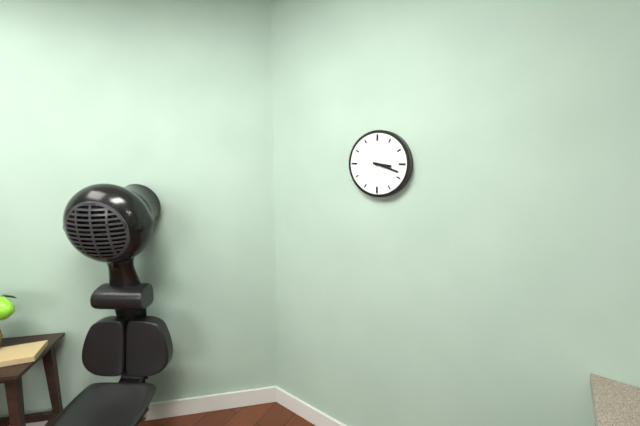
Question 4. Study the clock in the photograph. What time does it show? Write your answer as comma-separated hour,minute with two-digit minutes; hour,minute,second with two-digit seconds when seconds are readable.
3,18
